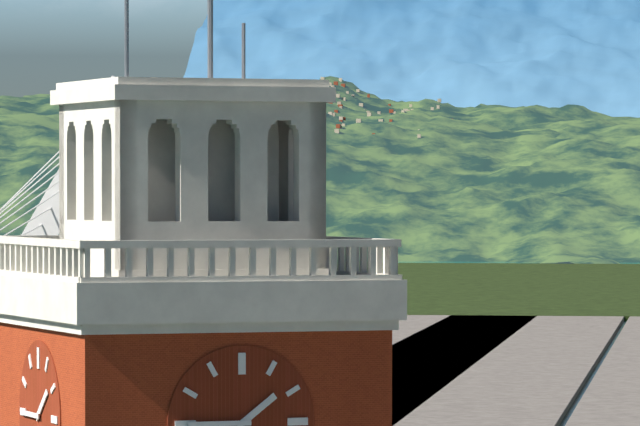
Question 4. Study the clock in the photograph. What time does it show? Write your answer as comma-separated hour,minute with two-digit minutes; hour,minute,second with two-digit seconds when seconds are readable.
1,45
